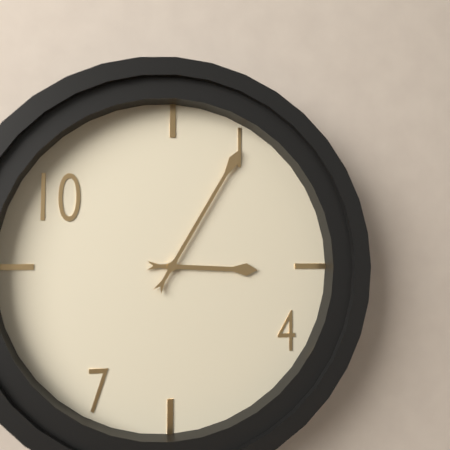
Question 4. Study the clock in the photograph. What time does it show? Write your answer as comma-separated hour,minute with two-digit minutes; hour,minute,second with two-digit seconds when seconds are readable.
3,05
